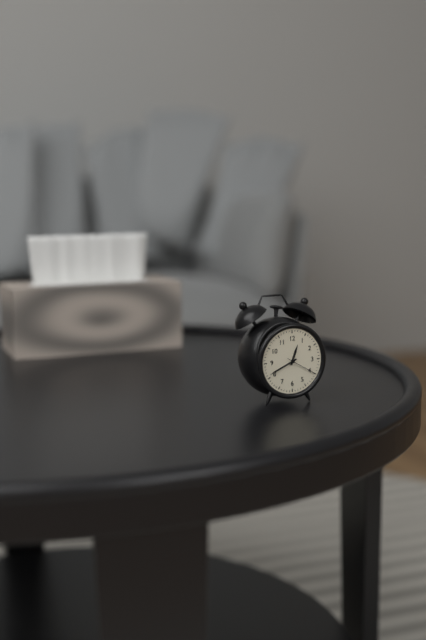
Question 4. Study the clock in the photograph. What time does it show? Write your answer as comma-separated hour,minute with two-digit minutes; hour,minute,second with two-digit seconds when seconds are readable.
12,41
